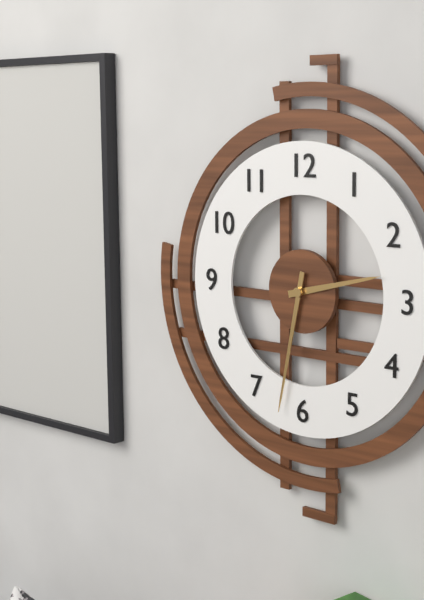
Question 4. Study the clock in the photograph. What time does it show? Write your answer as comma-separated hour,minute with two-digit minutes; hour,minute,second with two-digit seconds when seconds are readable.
2,32
